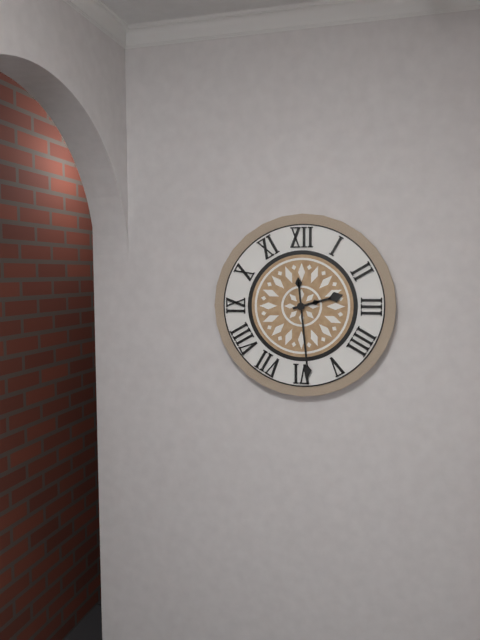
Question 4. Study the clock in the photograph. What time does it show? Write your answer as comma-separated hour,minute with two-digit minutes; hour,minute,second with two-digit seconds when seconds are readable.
2,29
